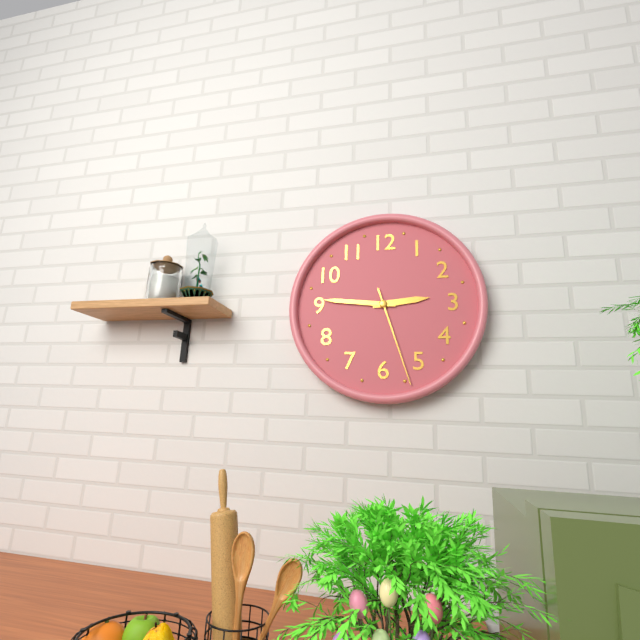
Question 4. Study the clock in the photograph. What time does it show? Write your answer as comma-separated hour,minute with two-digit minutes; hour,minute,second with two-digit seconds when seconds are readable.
2,46,27
